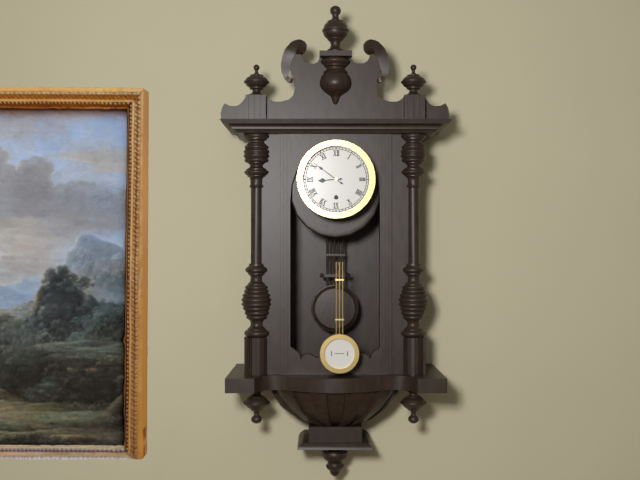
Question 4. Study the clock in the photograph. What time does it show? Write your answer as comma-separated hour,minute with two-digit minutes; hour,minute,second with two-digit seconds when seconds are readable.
8,51
